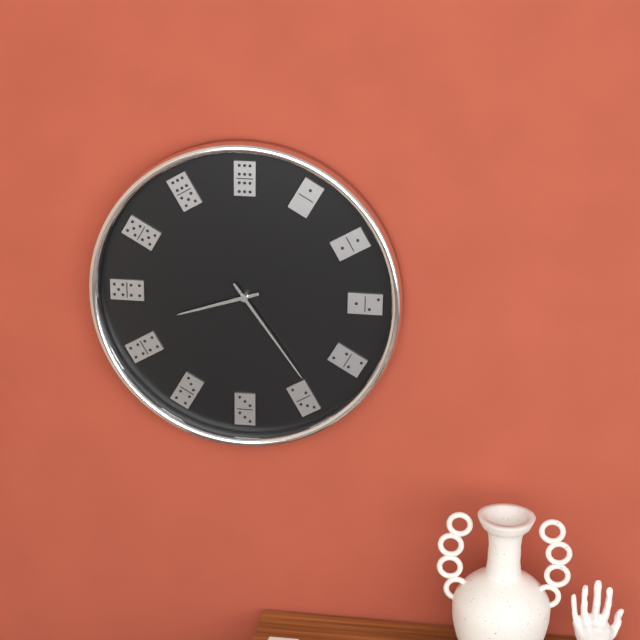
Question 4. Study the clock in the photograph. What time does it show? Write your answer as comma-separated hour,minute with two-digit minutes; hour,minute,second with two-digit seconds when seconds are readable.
8,24
